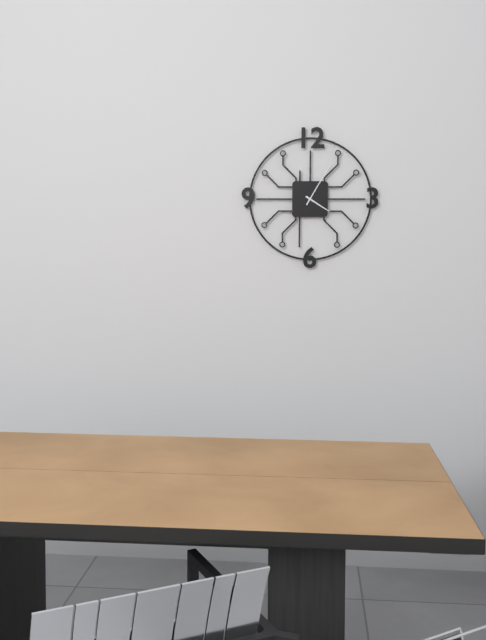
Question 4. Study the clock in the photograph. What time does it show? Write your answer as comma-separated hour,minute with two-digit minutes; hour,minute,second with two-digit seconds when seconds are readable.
4,05
